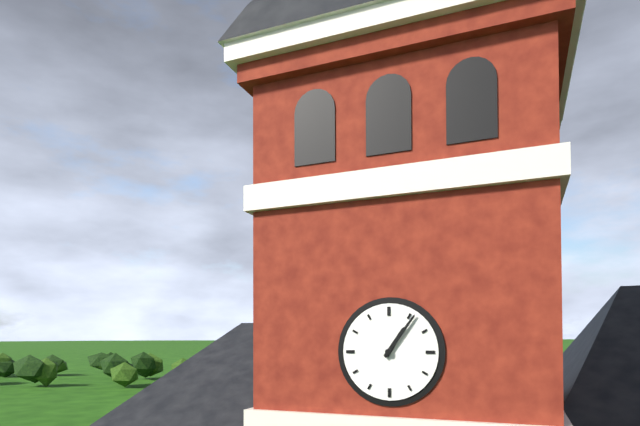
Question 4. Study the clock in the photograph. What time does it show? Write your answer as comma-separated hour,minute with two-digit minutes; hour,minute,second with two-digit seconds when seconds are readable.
1,06
